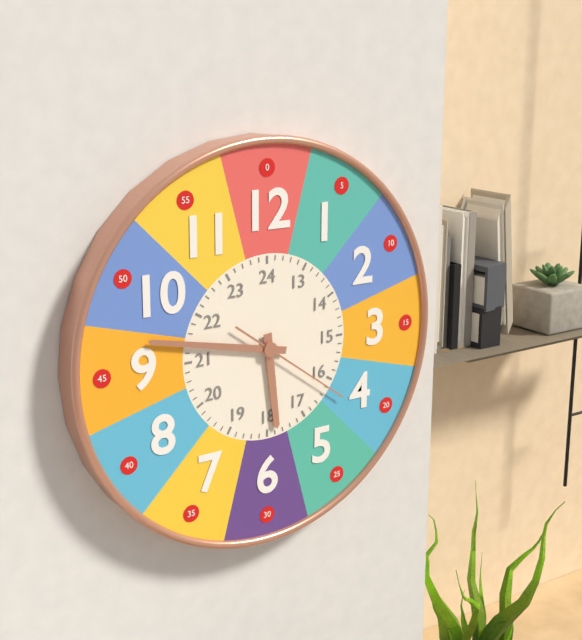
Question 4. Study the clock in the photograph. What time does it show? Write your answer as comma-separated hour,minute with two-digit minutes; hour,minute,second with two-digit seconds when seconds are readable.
5,47,21
